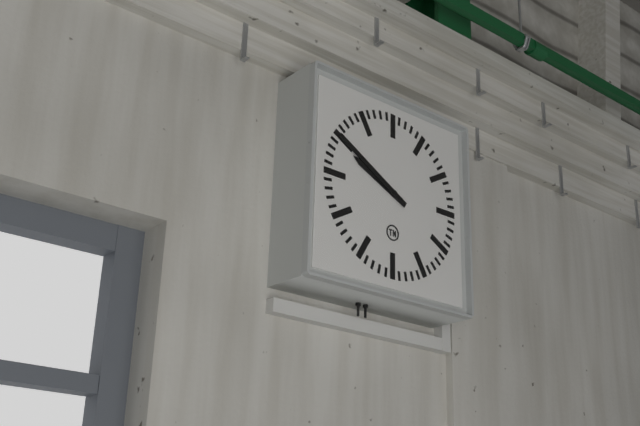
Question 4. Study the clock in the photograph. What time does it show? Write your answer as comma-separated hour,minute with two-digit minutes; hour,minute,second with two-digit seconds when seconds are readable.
9,50
